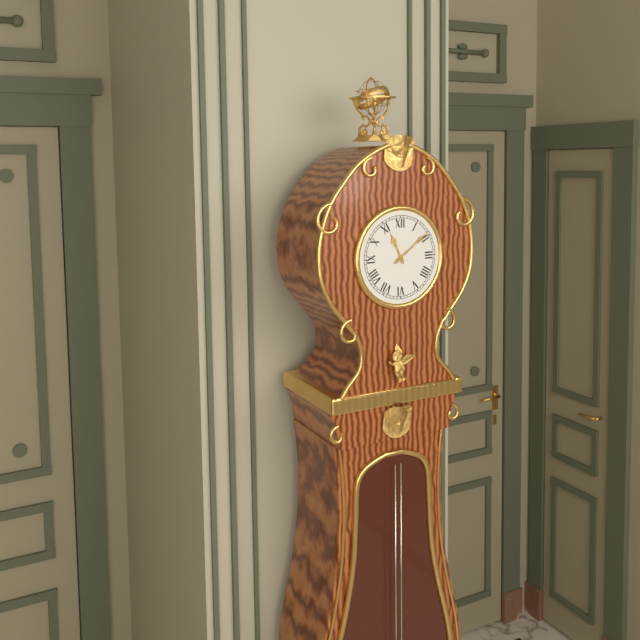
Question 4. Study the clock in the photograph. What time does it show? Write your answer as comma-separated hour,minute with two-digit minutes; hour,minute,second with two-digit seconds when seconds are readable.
11,09
